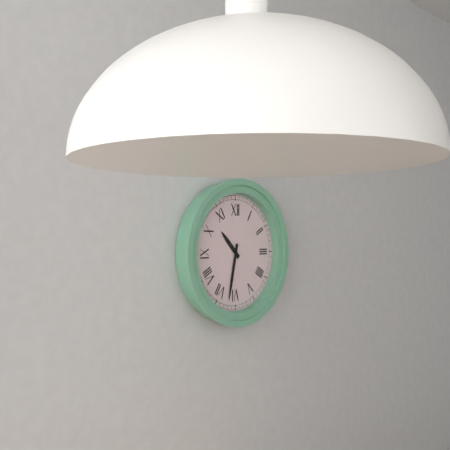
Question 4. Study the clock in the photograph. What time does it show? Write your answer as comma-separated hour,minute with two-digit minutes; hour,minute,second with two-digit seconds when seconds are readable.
10,32
